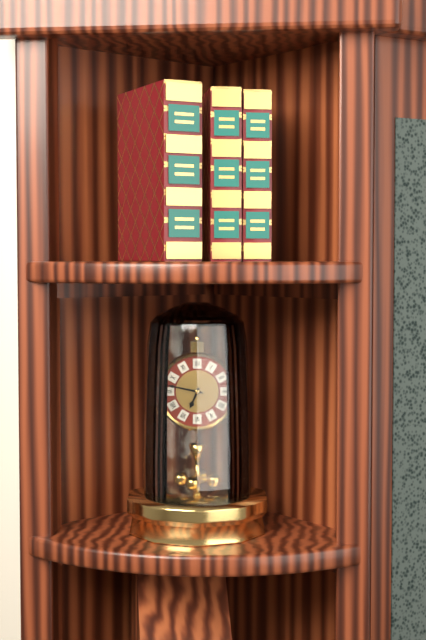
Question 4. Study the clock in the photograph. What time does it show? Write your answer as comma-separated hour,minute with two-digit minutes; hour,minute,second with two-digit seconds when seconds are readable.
6,47
